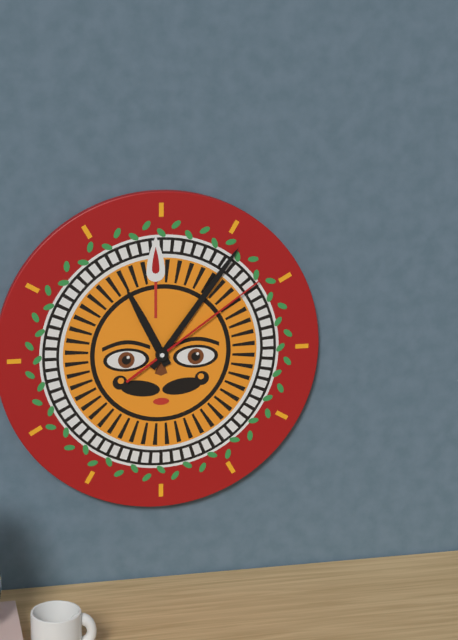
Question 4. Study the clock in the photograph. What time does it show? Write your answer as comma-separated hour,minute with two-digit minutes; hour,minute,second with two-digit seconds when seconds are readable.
11,06,09
